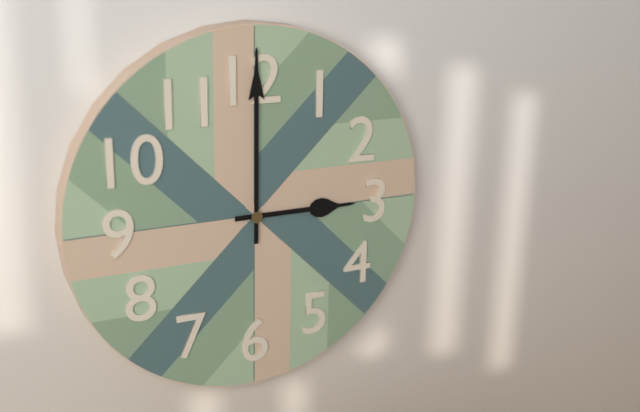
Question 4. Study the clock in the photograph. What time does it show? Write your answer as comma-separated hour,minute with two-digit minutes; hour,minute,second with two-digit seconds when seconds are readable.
3,00
